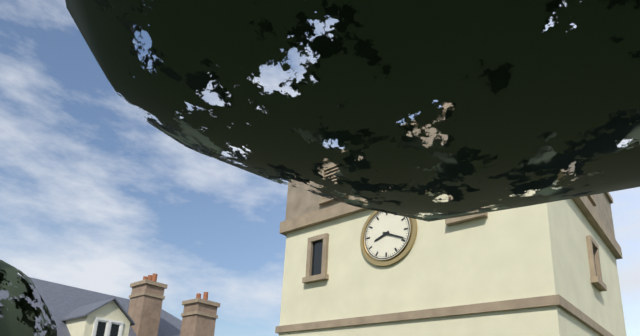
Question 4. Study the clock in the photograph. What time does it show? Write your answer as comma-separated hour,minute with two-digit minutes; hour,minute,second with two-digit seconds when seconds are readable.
8,19
